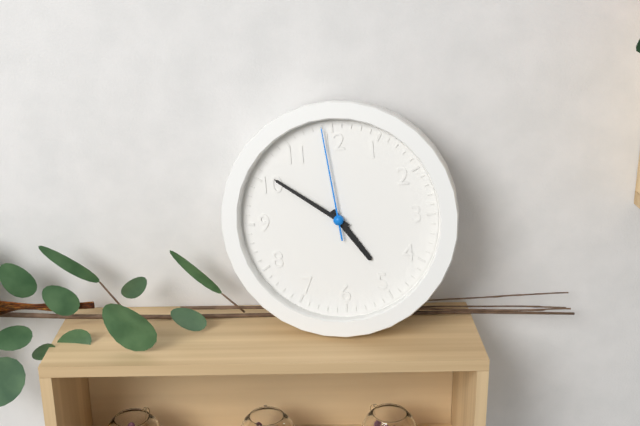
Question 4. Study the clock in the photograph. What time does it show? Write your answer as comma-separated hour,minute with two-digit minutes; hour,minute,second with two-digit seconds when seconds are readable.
4,51,59
